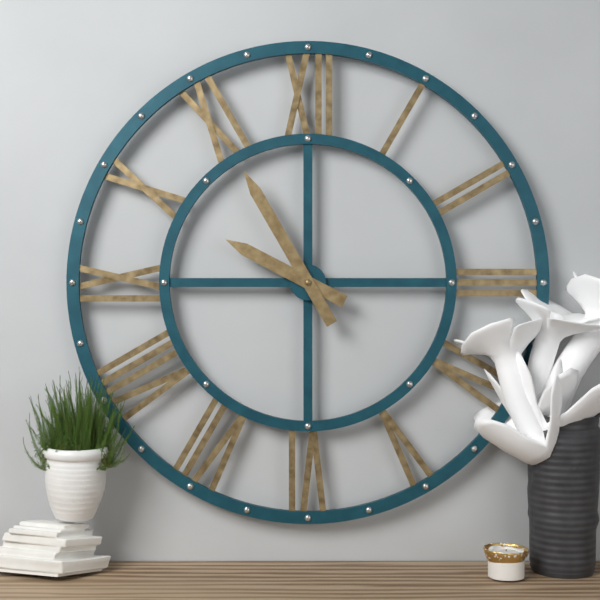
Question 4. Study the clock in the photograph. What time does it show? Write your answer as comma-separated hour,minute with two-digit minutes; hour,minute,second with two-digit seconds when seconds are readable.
9,55
